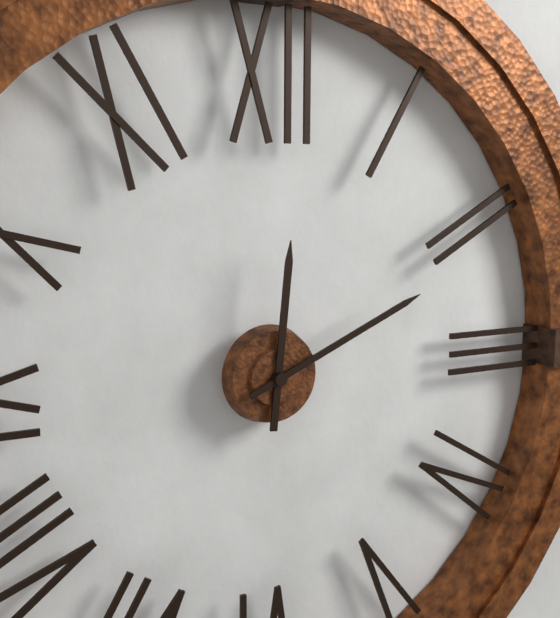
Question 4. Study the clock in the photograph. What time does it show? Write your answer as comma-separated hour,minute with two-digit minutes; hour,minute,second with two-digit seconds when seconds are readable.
12,11
